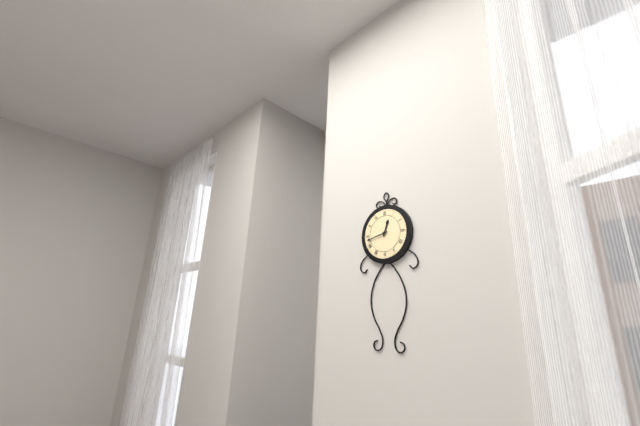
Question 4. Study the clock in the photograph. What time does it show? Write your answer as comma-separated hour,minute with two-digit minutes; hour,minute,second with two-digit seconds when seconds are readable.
12,43
